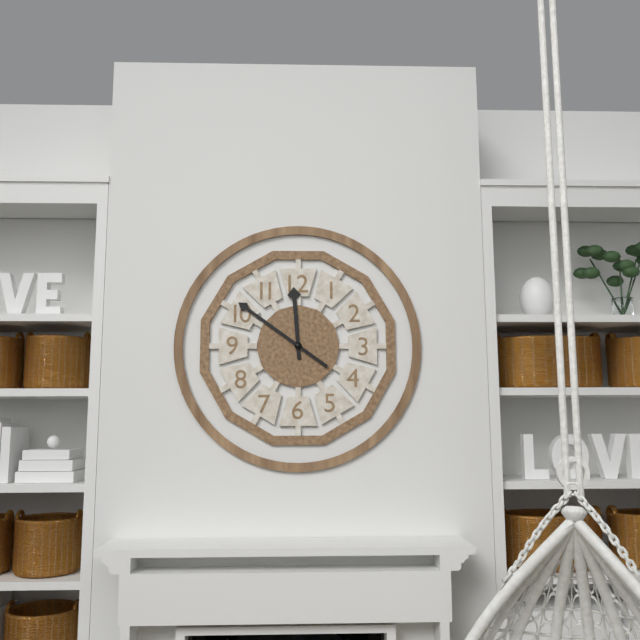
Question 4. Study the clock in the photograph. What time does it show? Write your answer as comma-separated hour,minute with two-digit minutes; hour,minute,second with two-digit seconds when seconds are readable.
11,51
